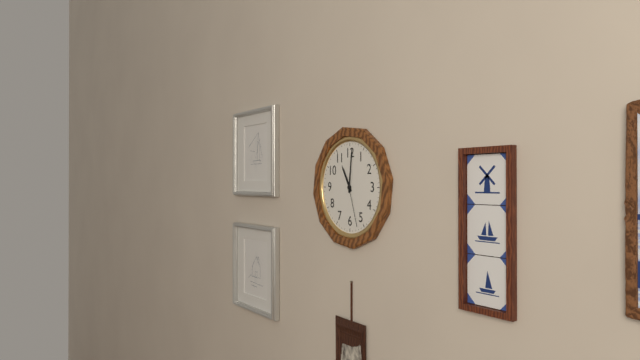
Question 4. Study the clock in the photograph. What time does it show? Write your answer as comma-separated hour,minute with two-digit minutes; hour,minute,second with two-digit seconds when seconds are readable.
11,01,27
